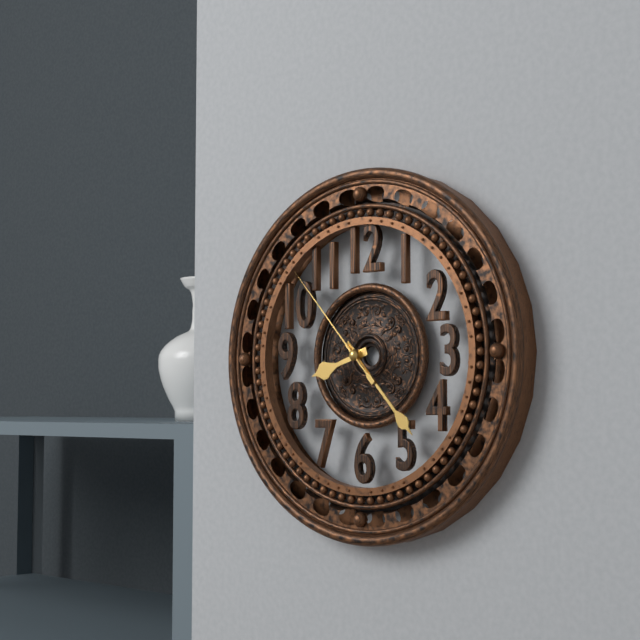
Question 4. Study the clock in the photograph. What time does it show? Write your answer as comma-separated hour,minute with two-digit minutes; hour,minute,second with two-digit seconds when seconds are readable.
8,23,53
